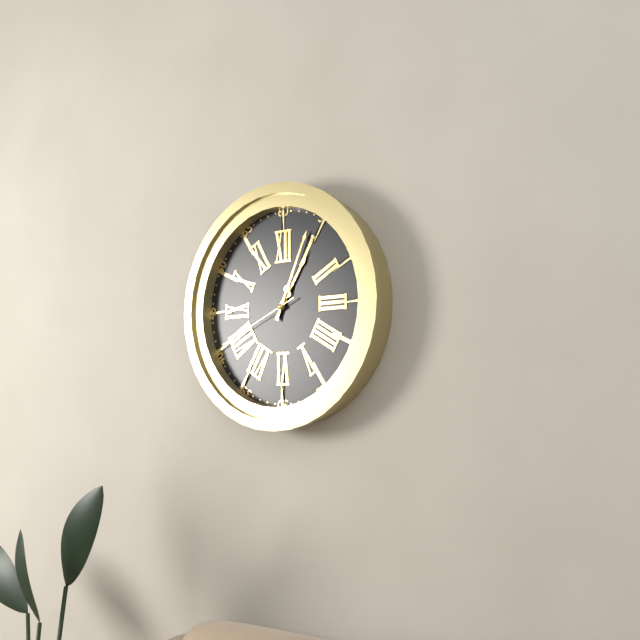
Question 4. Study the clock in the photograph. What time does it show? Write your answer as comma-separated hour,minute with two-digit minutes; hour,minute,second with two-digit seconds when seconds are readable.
1,04,41
